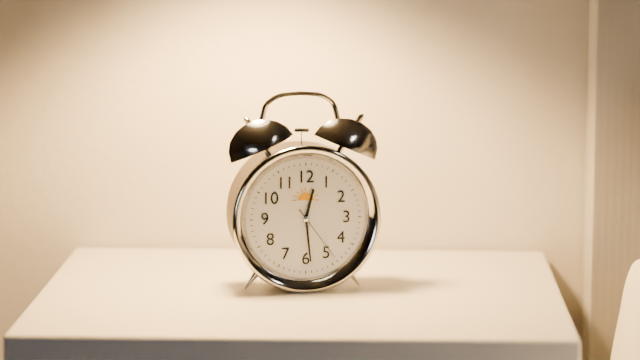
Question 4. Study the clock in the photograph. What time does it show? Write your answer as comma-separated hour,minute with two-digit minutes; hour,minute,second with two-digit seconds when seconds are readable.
12,29,24
